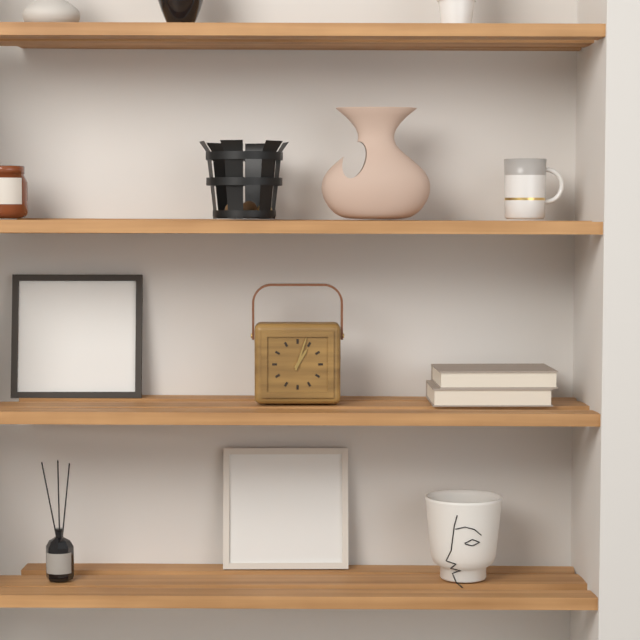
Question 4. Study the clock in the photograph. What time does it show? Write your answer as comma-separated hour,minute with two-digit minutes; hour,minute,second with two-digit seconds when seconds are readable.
1,03
